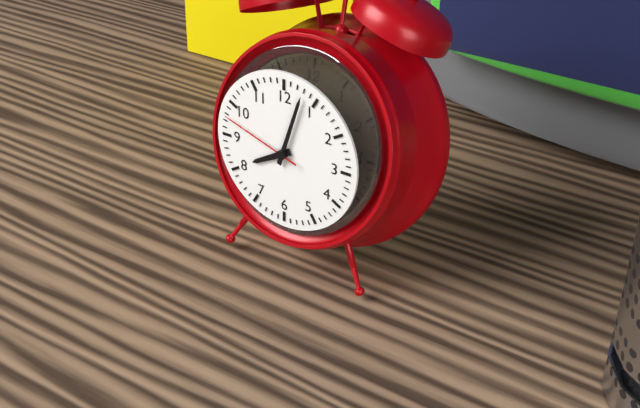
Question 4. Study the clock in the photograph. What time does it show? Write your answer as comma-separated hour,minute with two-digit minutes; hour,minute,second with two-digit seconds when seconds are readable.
8,03,48
